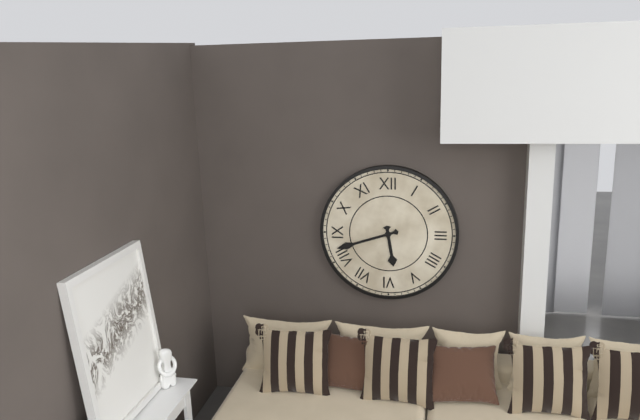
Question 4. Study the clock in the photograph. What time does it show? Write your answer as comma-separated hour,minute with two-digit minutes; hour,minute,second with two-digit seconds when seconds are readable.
5,42
